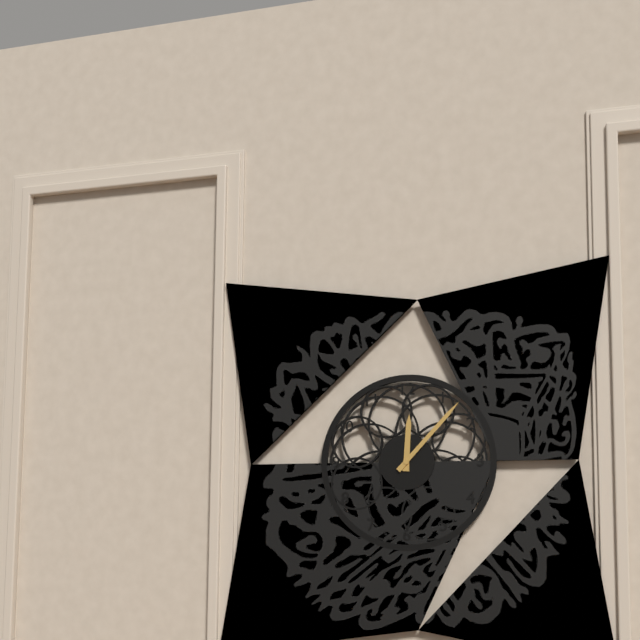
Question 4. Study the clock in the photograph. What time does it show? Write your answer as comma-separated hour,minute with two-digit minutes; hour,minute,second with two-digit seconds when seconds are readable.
12,07
